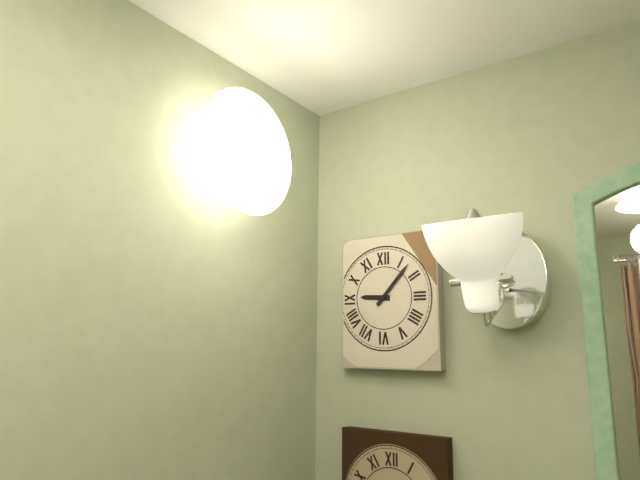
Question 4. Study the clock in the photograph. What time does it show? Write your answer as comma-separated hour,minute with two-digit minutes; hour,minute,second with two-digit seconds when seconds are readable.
9,07
